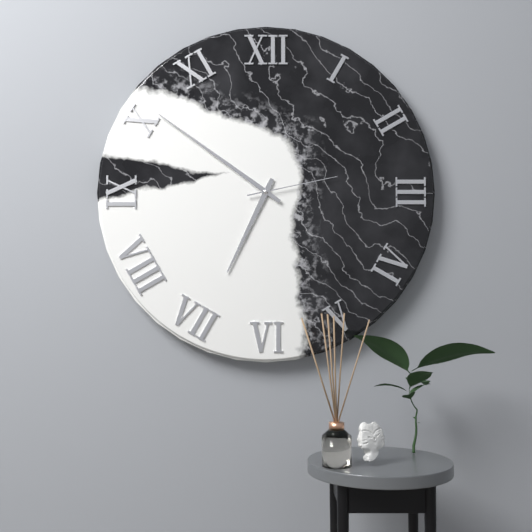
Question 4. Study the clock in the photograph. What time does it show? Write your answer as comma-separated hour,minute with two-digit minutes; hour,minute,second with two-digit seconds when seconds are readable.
6,51,13
